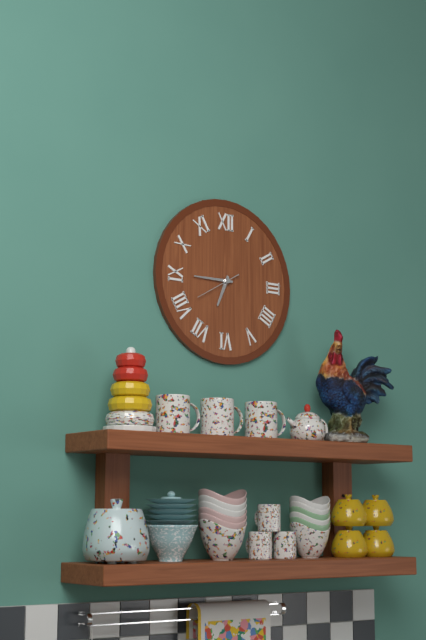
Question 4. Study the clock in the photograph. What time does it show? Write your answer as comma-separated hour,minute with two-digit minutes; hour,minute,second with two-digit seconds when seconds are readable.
6,45
